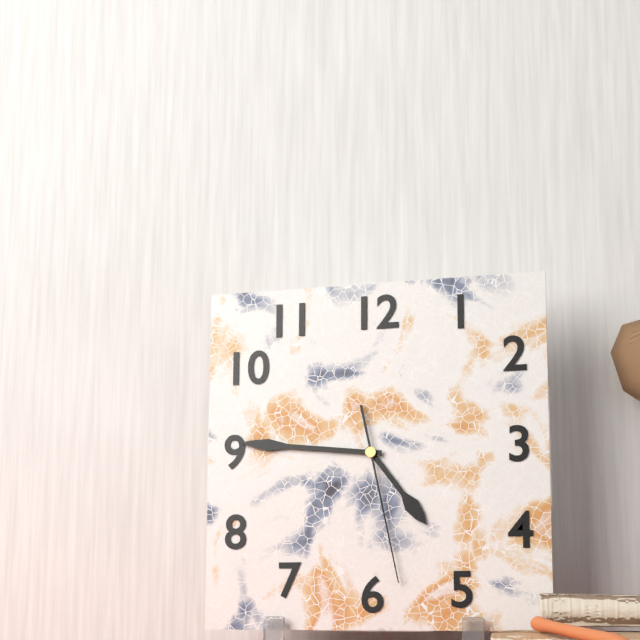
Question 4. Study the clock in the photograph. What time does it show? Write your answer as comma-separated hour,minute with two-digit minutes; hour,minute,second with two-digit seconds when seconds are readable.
4,46,28
